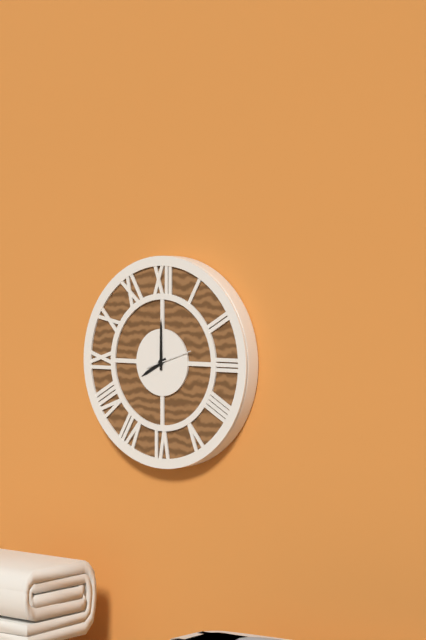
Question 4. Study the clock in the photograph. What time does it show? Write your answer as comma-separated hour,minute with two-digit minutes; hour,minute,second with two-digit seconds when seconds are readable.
8,00
